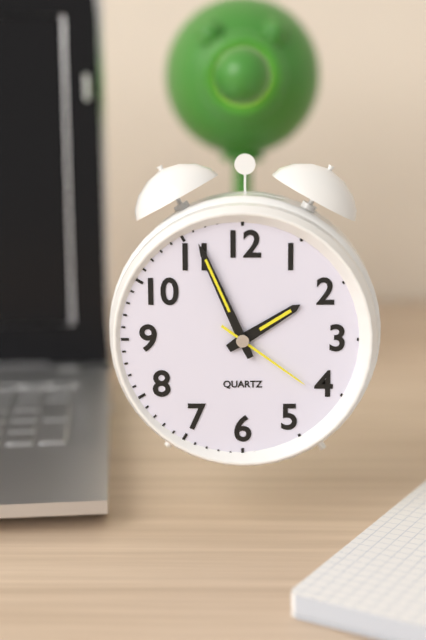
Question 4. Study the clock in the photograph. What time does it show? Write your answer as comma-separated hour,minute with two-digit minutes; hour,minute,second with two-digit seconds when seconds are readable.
1,56,21
